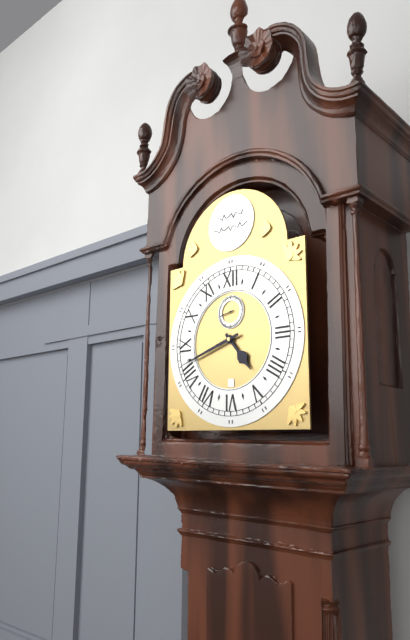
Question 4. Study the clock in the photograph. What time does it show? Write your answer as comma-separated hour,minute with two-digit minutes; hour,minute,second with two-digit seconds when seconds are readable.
4,42
